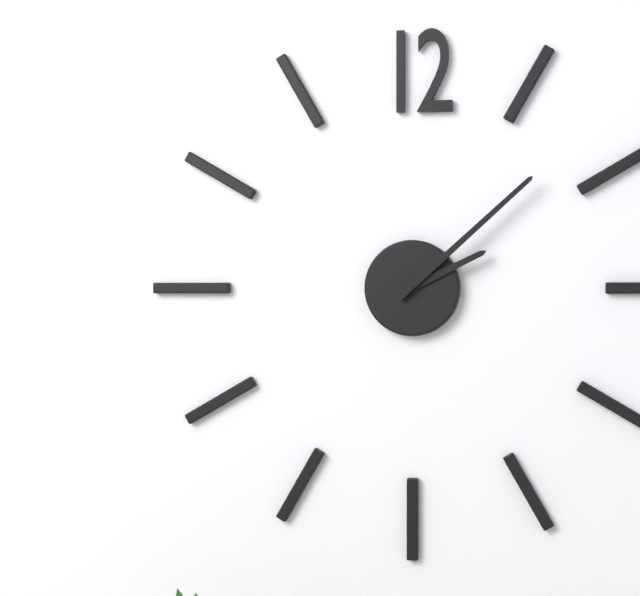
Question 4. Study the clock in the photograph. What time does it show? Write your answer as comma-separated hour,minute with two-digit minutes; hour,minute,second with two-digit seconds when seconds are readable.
2,08
